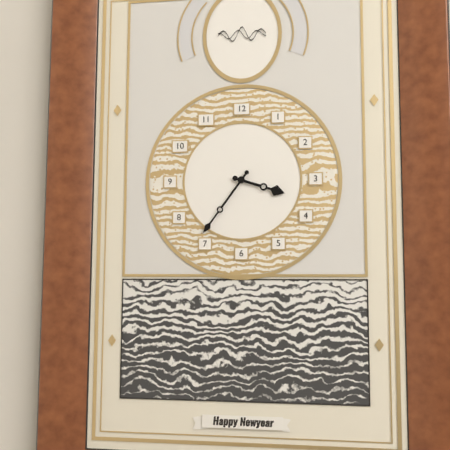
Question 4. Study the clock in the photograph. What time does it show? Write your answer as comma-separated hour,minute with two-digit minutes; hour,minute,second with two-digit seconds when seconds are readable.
3,36
